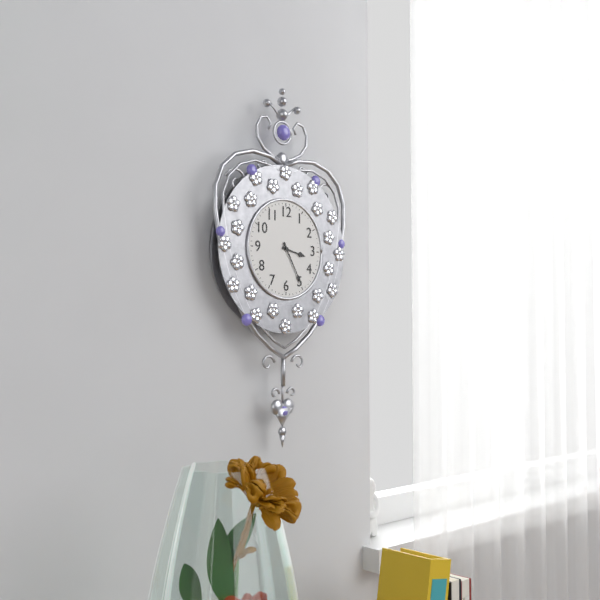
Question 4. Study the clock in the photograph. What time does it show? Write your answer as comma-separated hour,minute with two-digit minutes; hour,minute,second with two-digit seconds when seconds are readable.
3,25
